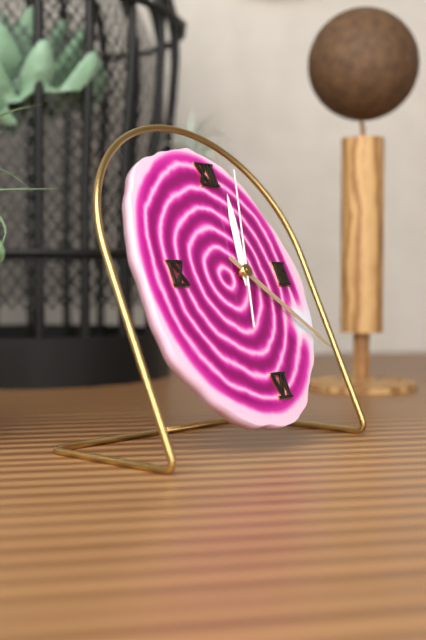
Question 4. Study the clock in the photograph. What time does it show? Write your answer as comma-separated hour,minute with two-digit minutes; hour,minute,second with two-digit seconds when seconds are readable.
12,22,03
